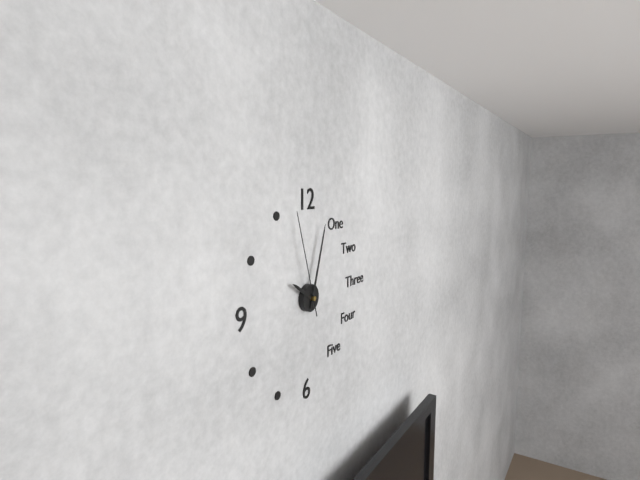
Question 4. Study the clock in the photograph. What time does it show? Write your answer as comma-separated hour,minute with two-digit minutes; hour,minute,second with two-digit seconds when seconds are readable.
10,03,57
